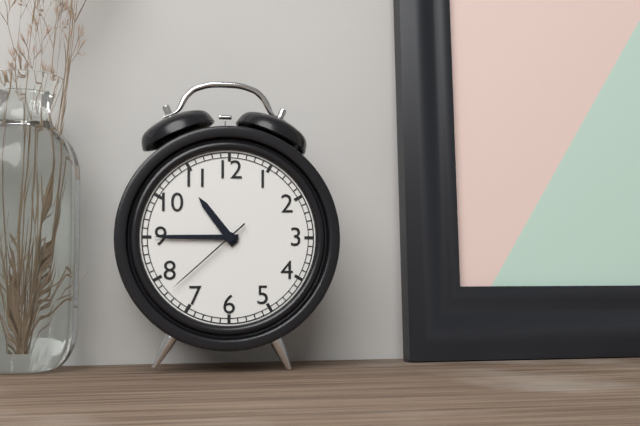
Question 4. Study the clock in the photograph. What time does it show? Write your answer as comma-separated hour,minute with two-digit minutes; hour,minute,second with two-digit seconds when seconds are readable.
10,45,38
